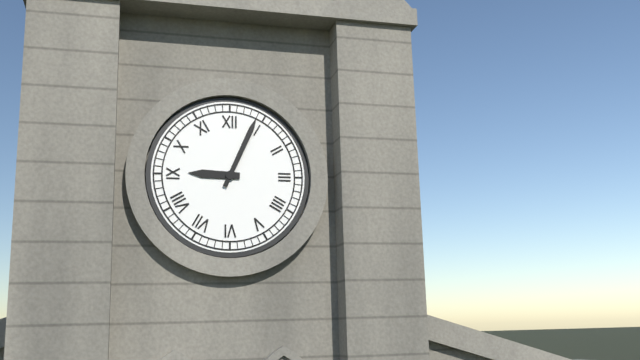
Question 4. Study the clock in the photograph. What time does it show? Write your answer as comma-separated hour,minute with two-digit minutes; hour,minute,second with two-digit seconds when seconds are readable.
9,04
